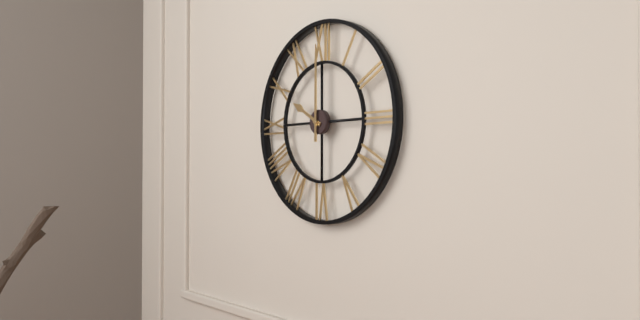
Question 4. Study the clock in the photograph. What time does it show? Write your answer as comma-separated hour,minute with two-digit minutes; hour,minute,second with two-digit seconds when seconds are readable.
10,00
